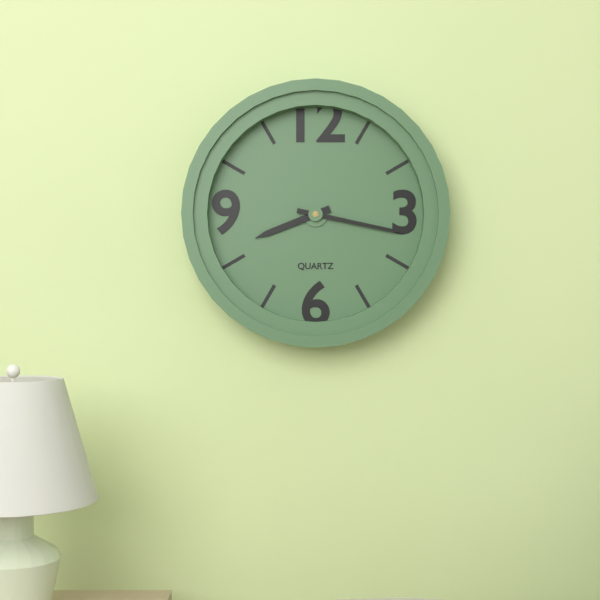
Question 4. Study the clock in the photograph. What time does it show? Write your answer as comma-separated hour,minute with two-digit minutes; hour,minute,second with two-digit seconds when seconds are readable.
8,17
